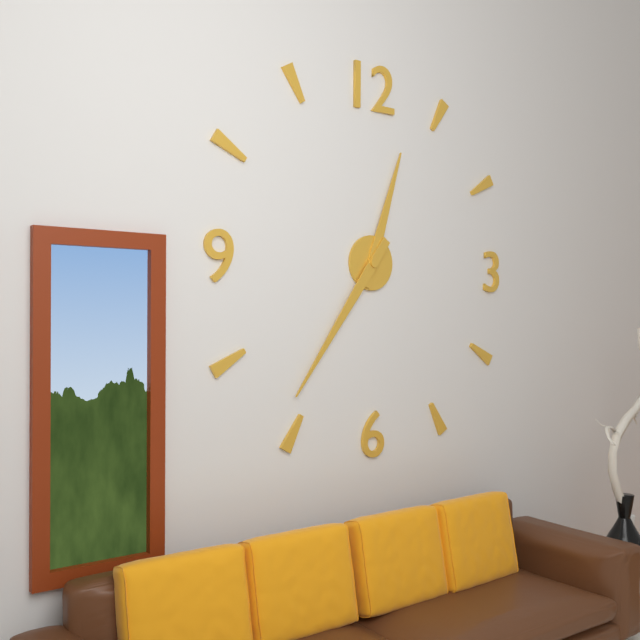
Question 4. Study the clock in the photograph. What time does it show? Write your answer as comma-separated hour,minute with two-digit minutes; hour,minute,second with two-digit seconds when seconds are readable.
12,36
